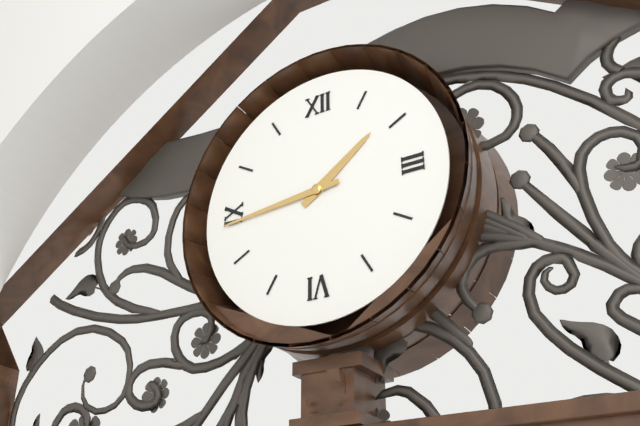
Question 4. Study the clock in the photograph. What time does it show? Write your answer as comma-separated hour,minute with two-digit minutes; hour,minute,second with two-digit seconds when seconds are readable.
1,44
